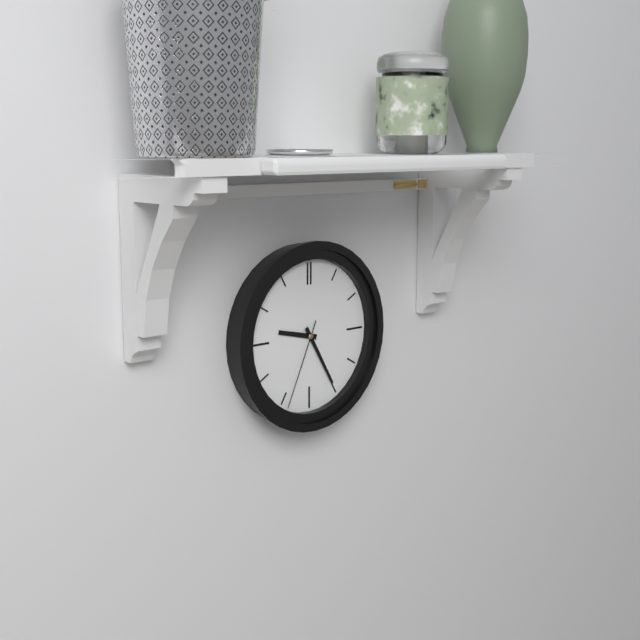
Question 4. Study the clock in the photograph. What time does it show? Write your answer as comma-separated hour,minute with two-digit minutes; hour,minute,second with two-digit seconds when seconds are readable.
9,25,34
